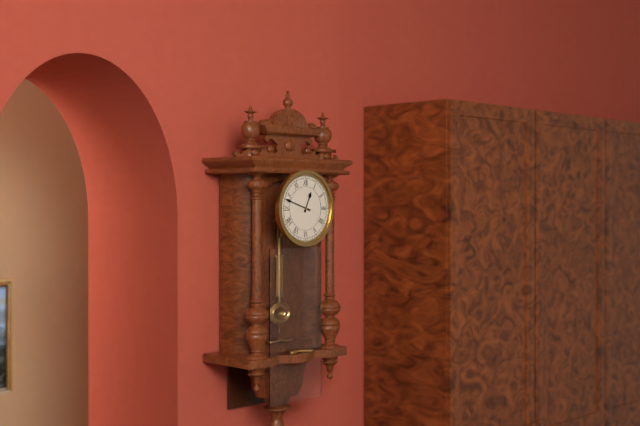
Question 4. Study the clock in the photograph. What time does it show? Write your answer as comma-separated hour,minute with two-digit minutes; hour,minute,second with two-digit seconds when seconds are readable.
12,48
